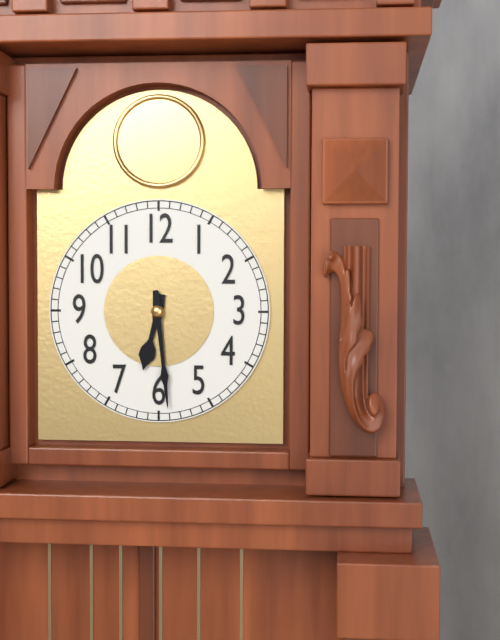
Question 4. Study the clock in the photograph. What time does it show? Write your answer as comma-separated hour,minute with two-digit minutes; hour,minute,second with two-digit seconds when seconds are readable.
6,29
